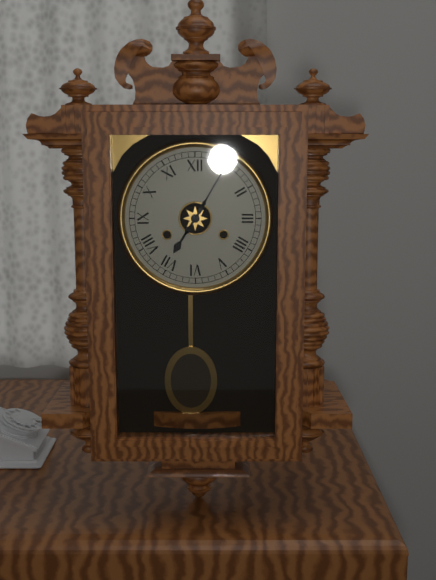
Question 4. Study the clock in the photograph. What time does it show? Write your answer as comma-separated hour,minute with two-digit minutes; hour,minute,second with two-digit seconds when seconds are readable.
7,05
